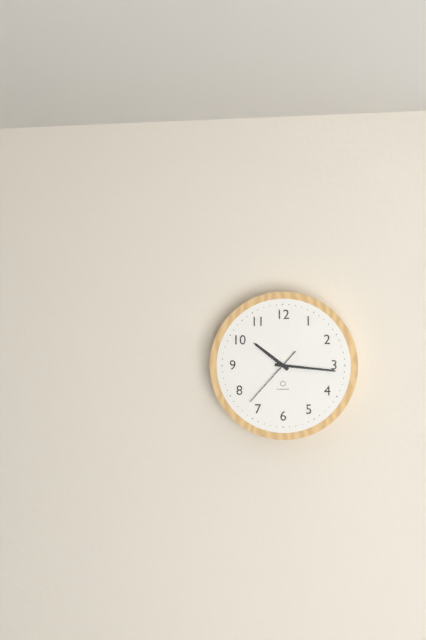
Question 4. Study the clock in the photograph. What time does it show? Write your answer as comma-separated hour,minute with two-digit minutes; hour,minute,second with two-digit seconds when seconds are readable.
10,16,37
